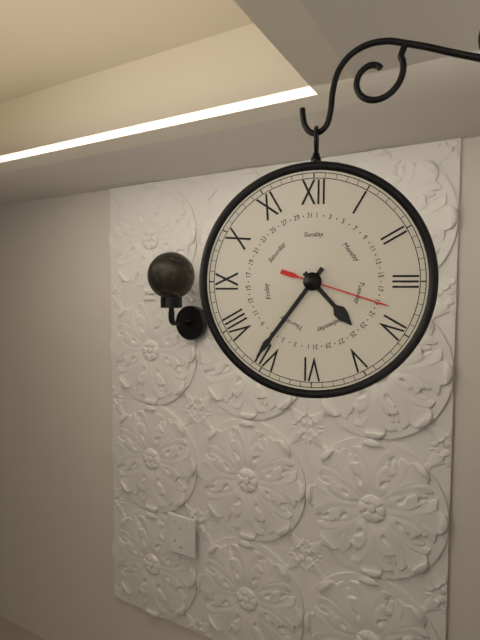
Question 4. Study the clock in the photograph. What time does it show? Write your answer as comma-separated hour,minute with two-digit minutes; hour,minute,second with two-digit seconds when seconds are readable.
4,36,18
